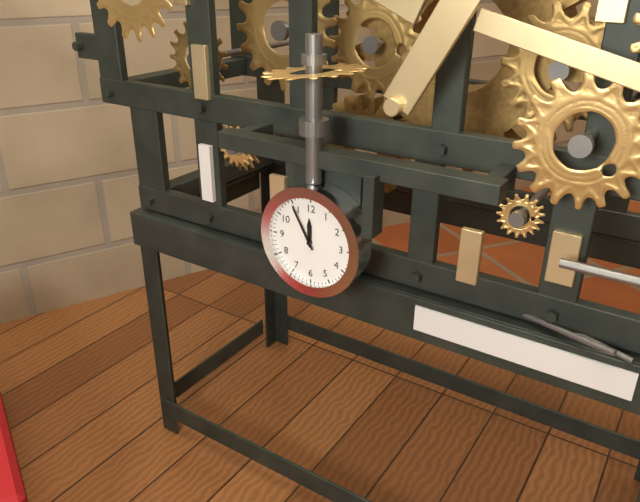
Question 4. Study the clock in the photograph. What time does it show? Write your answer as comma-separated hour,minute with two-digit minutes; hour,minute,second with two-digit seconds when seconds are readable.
11,55
